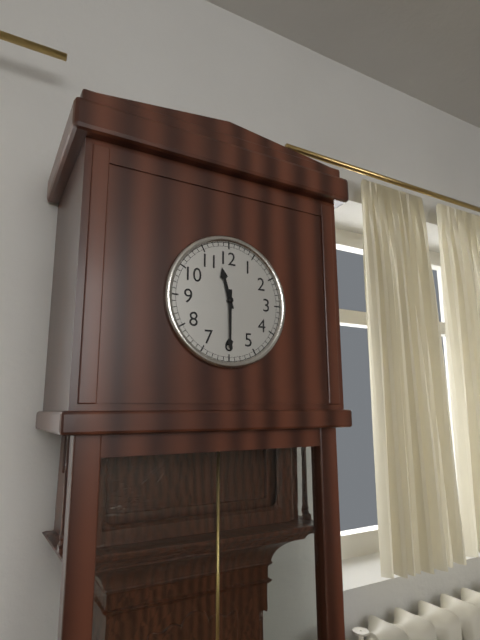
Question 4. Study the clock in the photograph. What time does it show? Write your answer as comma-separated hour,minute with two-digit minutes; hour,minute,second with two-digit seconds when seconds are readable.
11,30
